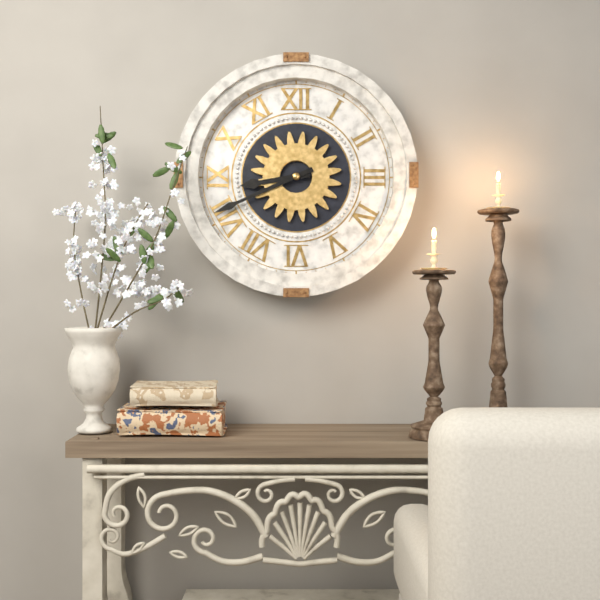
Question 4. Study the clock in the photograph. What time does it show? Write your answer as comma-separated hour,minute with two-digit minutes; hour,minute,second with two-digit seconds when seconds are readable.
8,41
